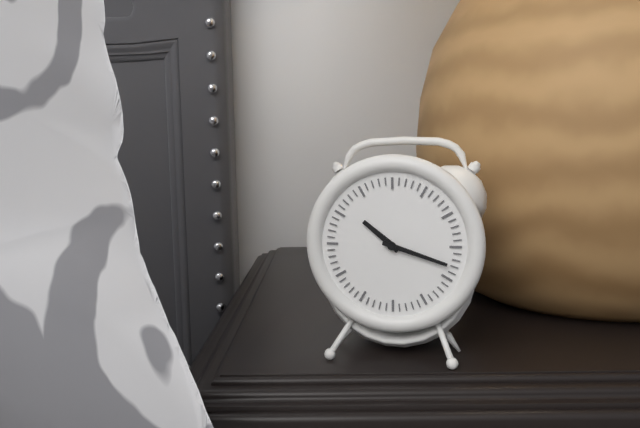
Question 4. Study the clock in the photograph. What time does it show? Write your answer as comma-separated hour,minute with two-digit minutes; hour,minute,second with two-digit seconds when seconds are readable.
10,18
